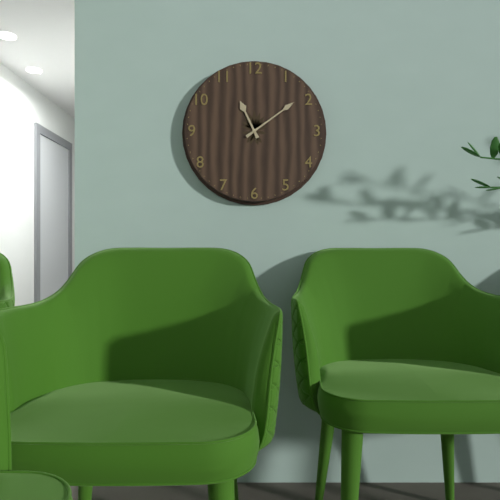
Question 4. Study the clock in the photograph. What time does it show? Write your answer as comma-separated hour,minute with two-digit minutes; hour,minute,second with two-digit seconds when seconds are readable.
11,09
